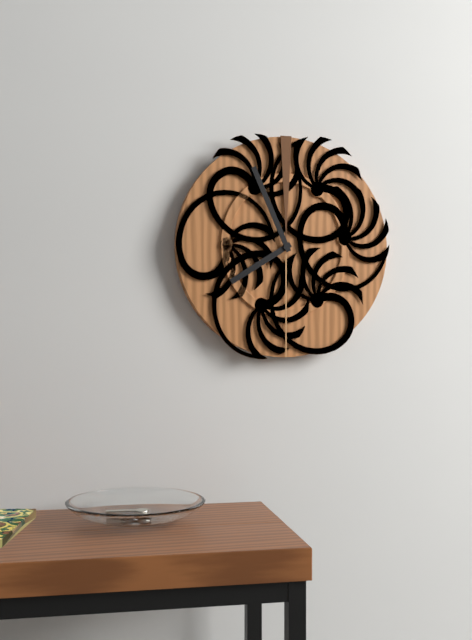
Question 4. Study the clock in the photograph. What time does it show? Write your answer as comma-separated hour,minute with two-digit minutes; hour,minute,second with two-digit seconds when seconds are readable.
7,56
